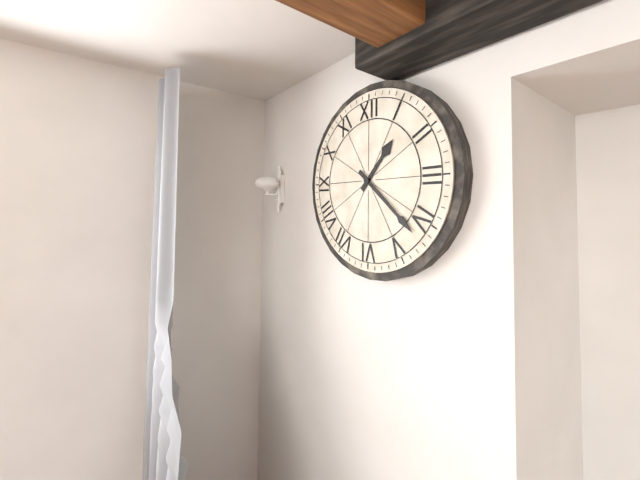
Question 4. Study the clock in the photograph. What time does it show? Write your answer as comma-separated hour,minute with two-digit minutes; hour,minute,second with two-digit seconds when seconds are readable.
1,22
